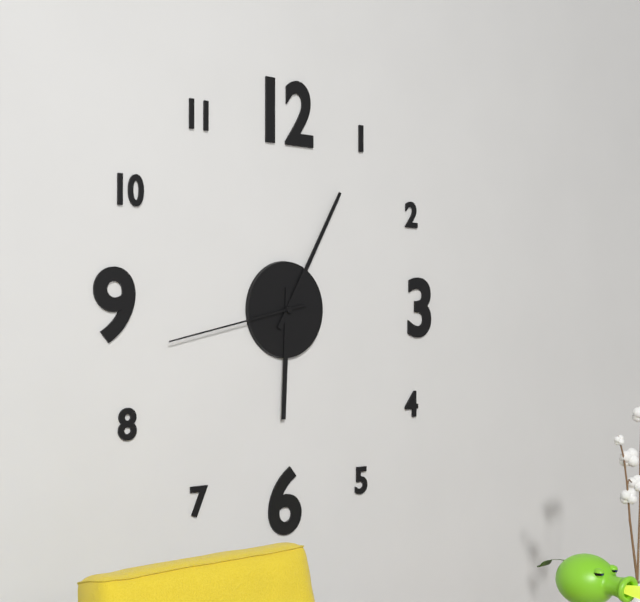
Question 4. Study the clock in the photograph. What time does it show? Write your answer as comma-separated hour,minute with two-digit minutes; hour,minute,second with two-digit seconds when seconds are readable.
6,05,43
